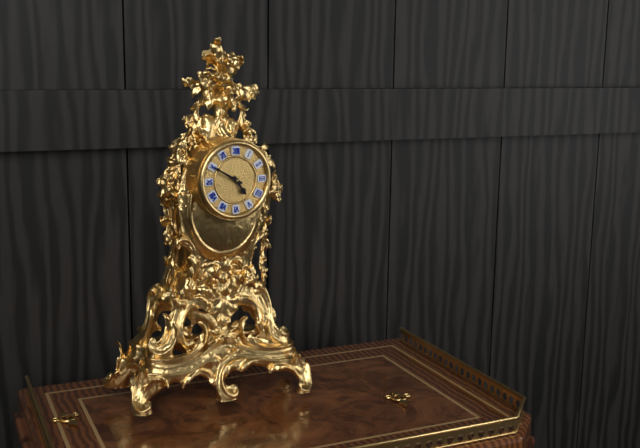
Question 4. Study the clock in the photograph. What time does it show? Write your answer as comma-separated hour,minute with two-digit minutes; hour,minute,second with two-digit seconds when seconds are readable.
4,50
